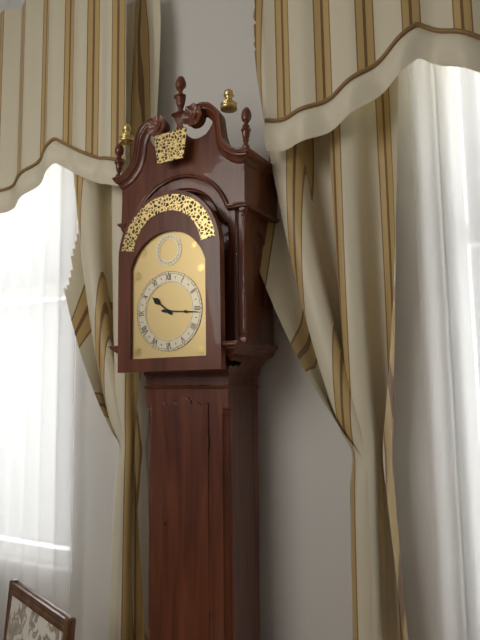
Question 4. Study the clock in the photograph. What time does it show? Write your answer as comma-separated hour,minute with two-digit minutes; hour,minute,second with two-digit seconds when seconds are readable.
10,16
